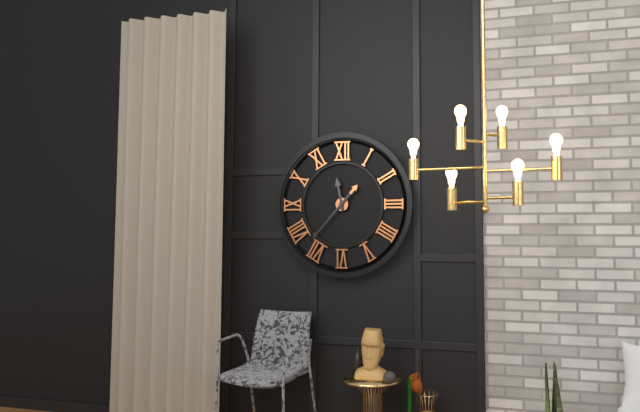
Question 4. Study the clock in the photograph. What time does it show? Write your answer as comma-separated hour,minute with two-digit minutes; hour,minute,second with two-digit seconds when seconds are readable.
11,37
